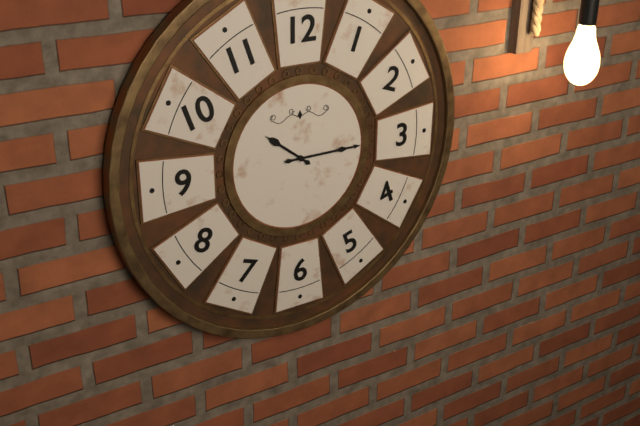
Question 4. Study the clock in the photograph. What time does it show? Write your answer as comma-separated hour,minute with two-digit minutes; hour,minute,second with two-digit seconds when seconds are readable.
10,15
